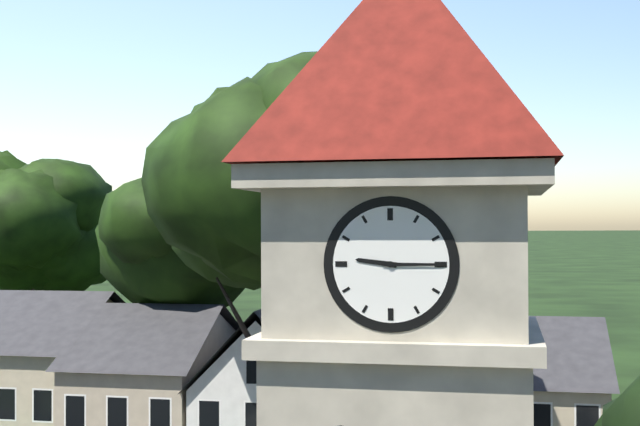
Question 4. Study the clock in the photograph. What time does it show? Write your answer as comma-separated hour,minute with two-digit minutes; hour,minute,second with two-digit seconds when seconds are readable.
9,15
